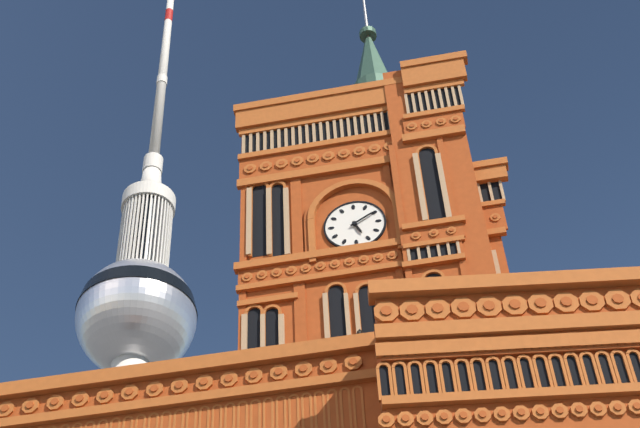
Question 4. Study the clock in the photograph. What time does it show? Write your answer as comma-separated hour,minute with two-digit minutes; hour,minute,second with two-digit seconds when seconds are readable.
5,10
